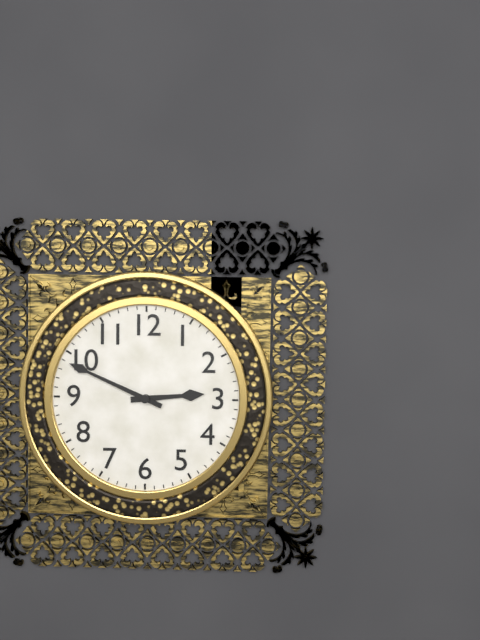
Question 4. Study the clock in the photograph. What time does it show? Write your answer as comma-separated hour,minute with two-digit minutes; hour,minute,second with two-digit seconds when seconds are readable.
2,49
